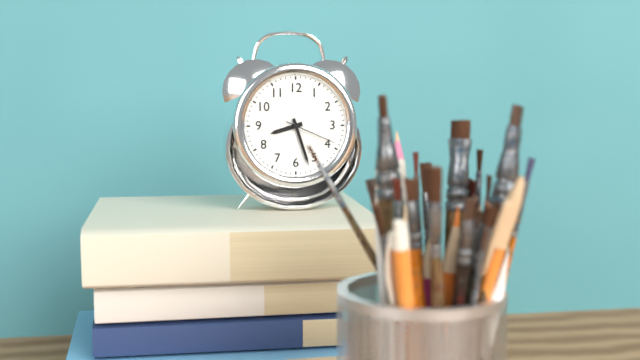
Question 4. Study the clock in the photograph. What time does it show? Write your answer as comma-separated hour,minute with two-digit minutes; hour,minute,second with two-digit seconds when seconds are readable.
8,27,19
